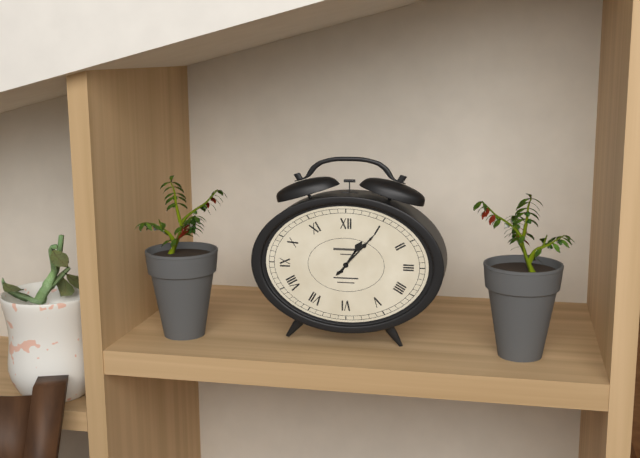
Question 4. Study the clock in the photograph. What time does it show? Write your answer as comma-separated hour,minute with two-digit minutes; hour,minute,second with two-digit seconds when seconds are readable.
1,07
